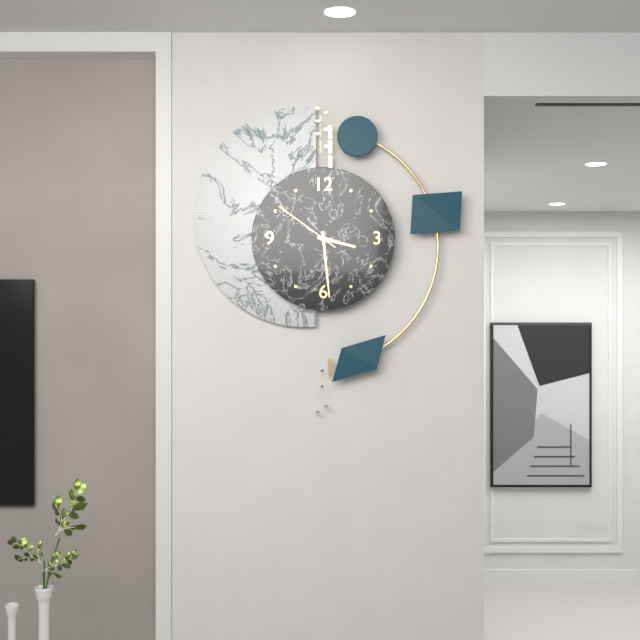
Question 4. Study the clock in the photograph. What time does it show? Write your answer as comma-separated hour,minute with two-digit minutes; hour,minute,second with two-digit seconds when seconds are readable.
3,29,51
